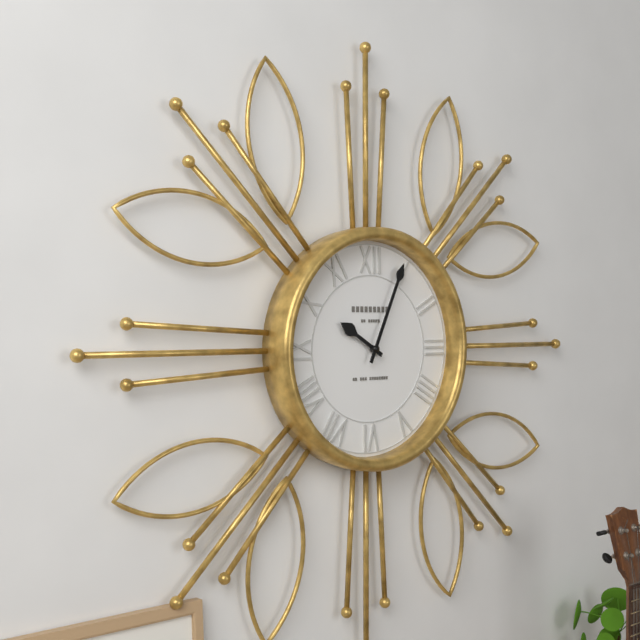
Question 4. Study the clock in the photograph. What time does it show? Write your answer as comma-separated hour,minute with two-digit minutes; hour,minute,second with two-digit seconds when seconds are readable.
10,04
